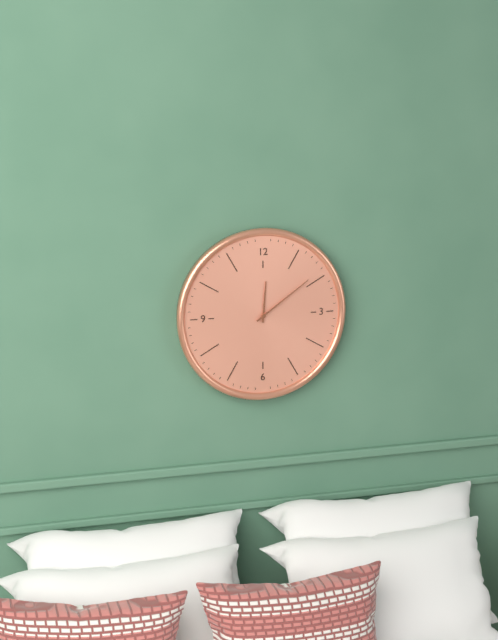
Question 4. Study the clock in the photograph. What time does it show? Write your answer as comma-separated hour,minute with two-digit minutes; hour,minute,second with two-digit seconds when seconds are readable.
12,09
